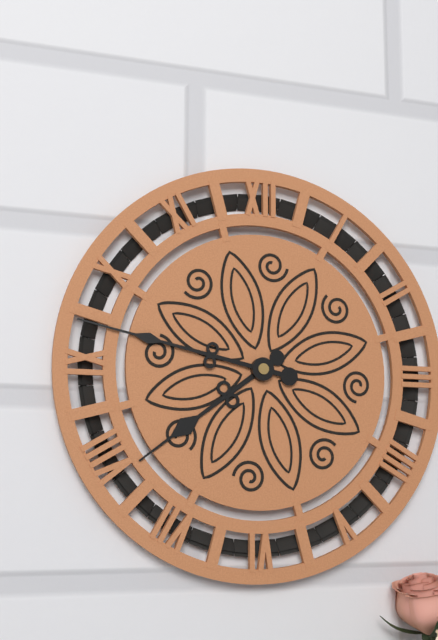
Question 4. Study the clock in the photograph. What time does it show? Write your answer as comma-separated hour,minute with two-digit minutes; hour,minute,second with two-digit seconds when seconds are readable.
7,47
